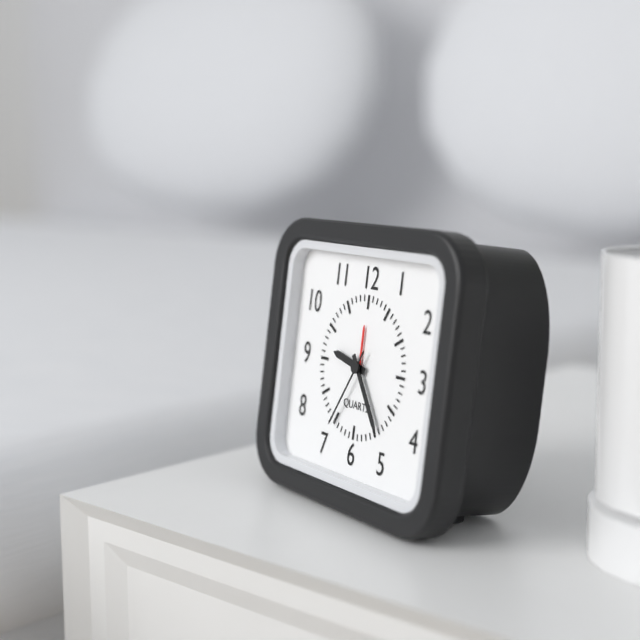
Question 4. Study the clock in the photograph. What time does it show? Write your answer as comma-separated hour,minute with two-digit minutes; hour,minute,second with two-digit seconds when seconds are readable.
9,24,35
